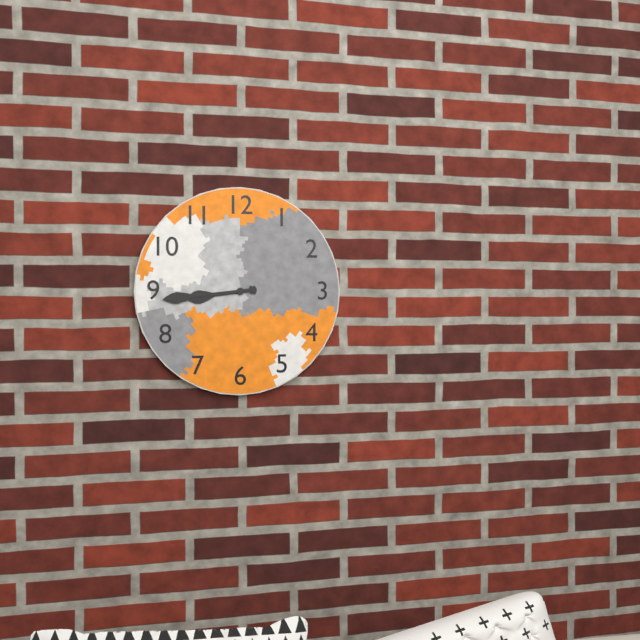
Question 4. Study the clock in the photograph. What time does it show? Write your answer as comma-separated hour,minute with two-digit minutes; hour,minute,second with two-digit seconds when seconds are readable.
8,44
